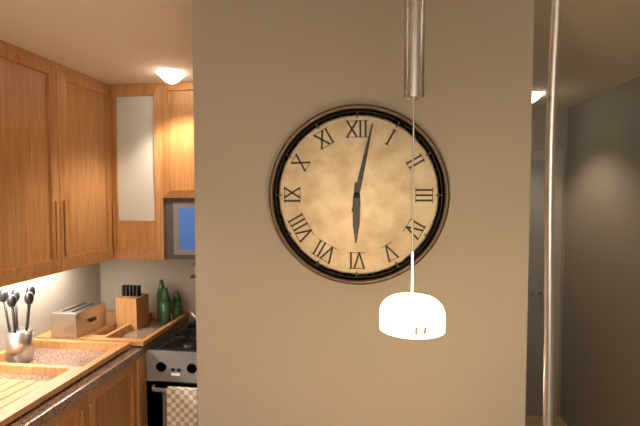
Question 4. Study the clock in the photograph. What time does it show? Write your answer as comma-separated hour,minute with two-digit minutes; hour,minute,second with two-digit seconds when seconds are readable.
6,02
